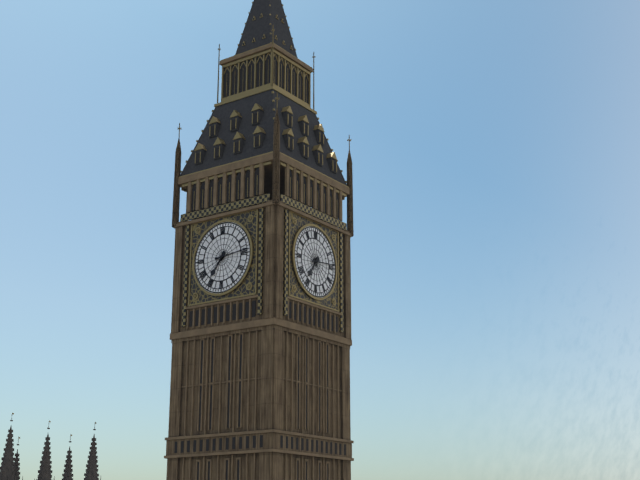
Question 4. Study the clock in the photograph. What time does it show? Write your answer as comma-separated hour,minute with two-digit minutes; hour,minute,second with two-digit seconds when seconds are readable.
7,14
